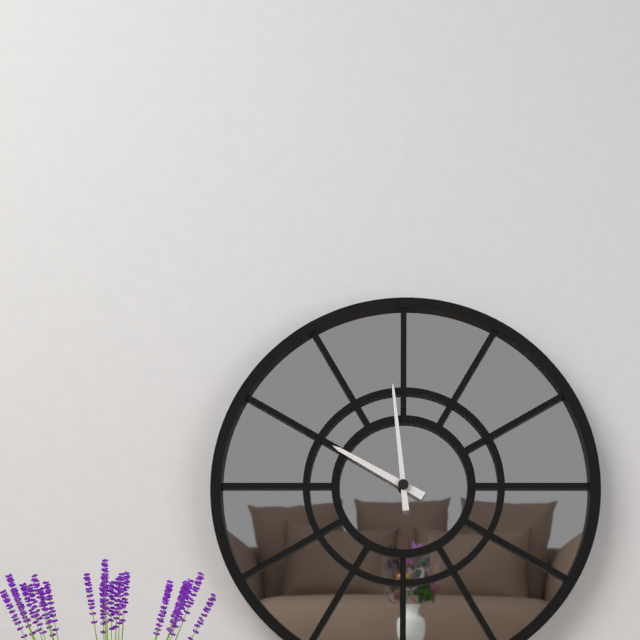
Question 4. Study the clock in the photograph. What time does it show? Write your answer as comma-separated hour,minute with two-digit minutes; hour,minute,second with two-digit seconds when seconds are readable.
9,59
